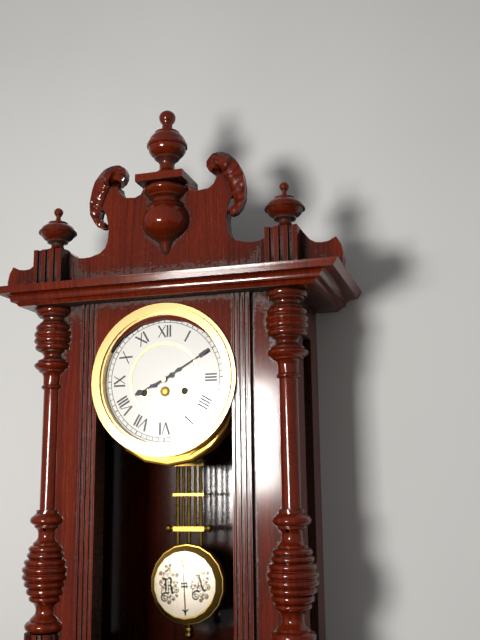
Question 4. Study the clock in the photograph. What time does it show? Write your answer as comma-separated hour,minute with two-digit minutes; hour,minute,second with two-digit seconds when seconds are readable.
8,10
